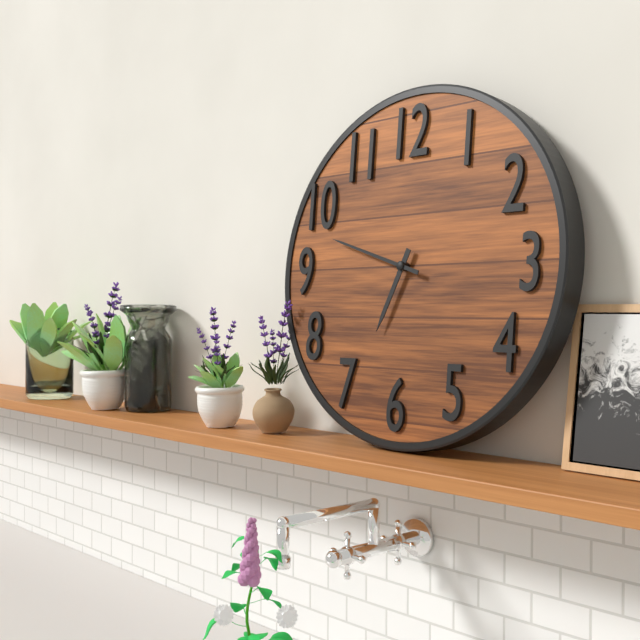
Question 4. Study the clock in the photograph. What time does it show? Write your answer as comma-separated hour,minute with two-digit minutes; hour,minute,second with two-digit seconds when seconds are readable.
6,48
